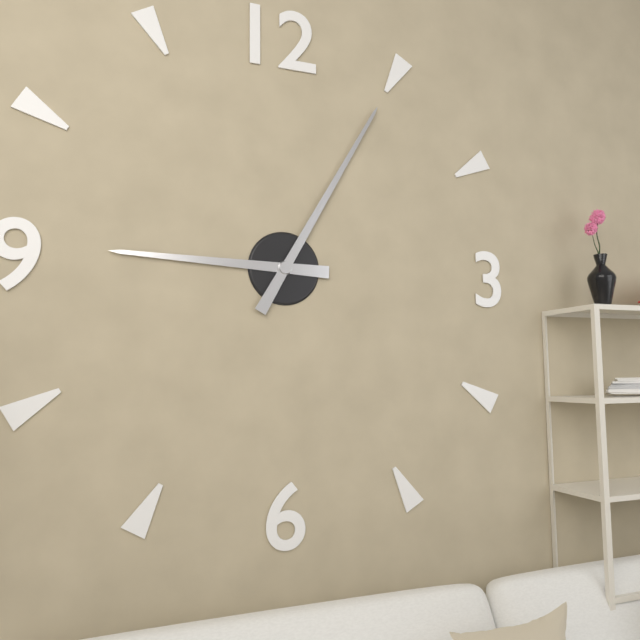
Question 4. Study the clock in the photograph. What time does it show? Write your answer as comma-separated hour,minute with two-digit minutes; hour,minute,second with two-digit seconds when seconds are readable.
9,05
